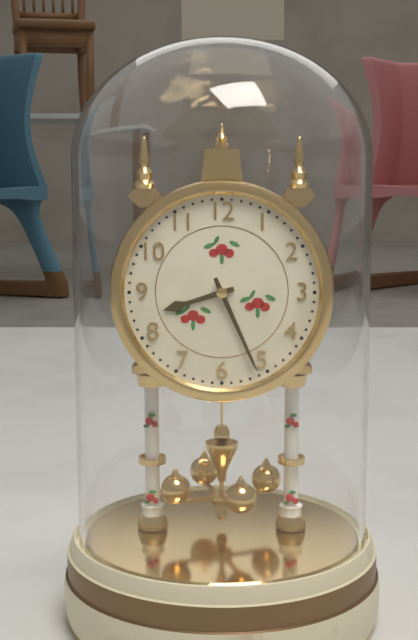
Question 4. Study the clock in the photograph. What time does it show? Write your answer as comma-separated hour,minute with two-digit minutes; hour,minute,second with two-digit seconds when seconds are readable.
8,26
